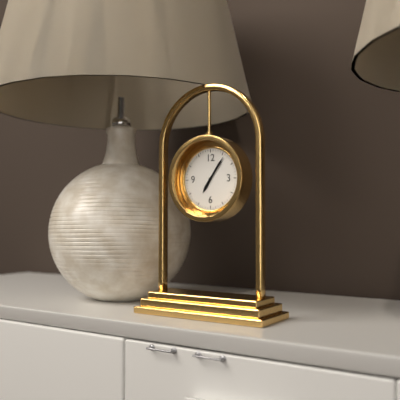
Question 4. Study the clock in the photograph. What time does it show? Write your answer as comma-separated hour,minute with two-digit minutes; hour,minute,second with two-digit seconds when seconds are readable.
7,06
